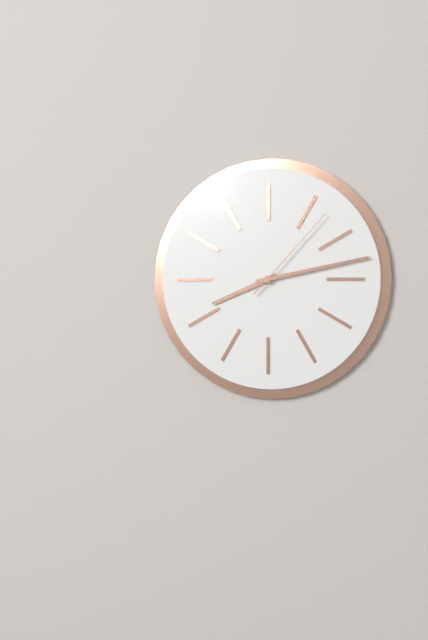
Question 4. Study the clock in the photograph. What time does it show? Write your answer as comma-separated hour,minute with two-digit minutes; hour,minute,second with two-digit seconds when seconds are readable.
8,13,07
